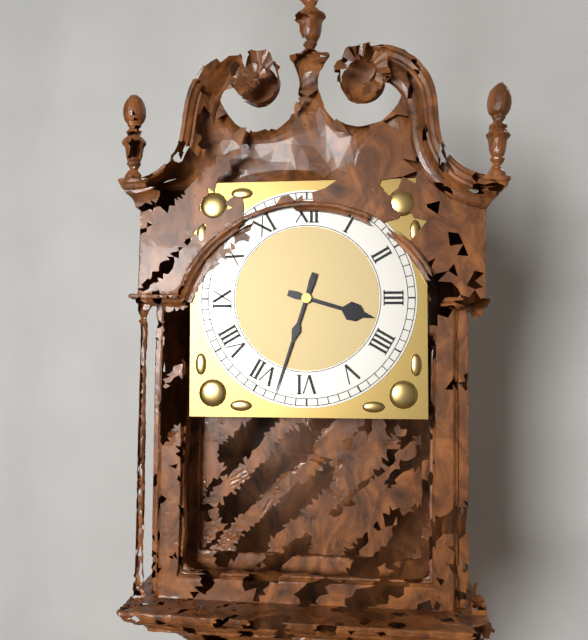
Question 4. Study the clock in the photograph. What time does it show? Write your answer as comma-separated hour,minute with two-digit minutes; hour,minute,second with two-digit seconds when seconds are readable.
3,33
